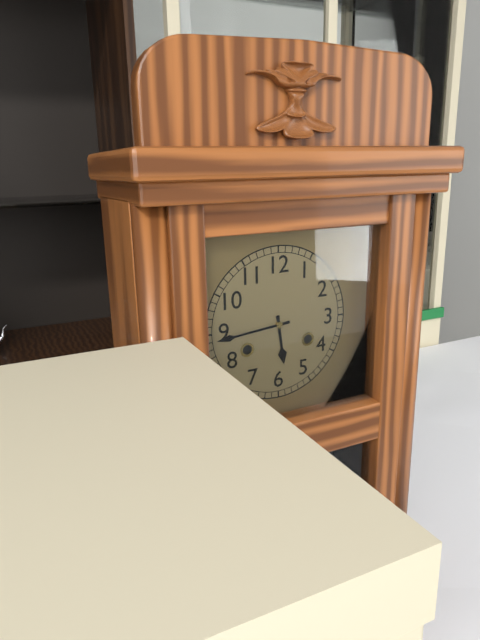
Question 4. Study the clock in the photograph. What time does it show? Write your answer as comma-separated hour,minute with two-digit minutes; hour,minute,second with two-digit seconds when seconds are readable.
5,44
